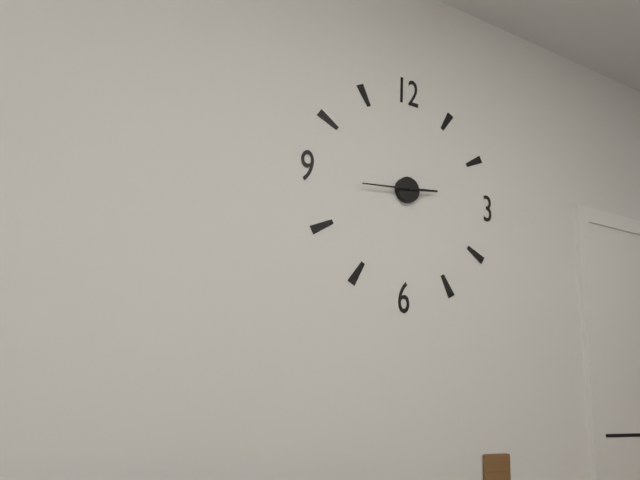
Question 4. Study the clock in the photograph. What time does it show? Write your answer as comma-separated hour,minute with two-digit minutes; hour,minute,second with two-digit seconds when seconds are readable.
2,44
